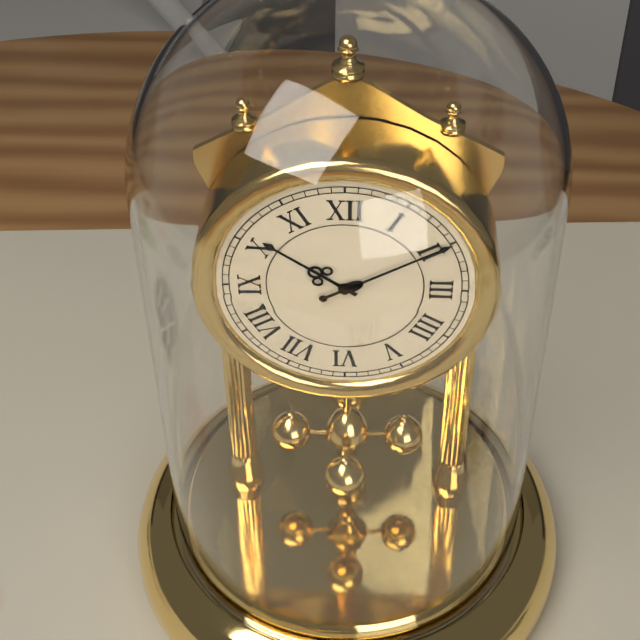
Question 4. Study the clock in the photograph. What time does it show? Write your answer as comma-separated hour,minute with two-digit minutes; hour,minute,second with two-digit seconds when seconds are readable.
10,10
